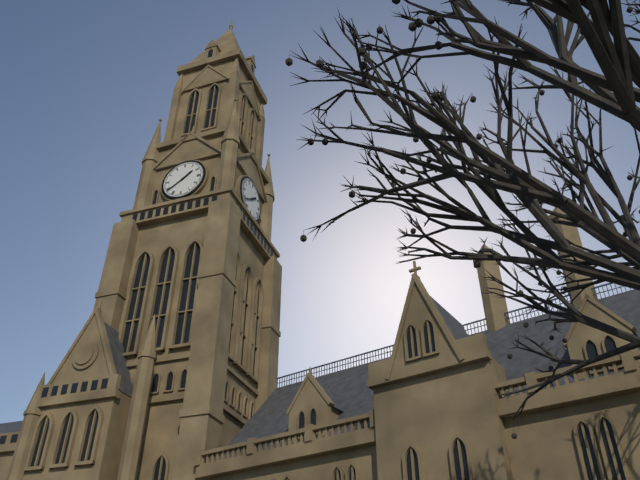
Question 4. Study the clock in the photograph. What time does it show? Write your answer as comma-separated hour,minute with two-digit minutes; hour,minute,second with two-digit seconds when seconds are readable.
1,39
